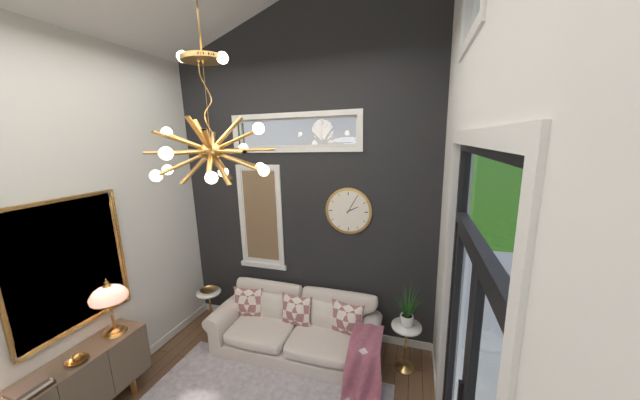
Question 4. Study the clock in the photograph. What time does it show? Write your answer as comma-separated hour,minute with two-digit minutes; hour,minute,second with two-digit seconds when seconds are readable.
2,05
